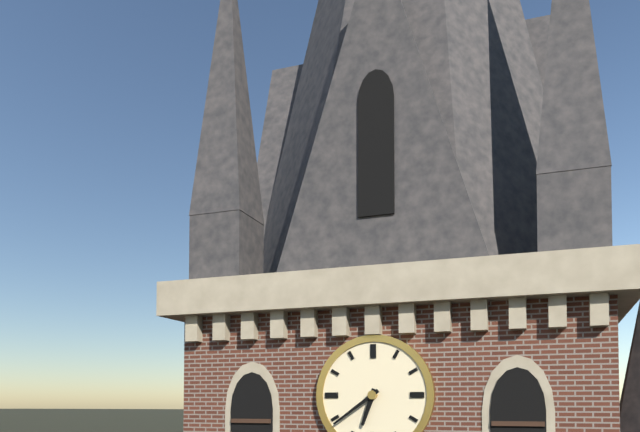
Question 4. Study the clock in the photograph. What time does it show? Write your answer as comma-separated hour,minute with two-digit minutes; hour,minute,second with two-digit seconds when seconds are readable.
6,39
